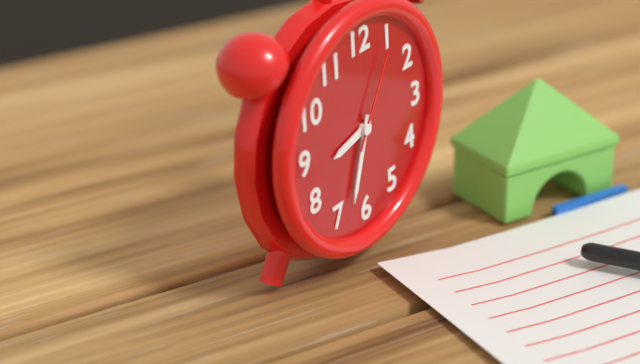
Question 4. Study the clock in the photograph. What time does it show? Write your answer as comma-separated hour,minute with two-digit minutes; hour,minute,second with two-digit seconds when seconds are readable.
8,33,05
